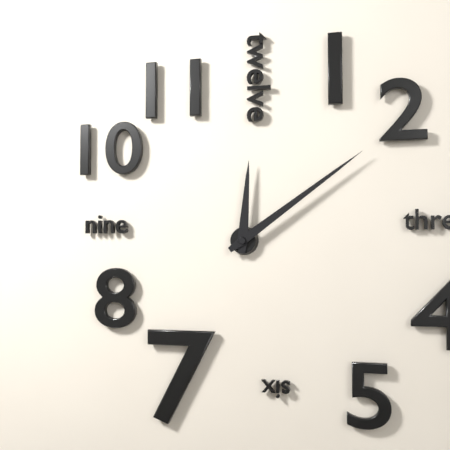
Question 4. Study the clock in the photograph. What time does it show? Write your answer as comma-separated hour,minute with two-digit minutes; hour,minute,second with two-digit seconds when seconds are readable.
12,09
